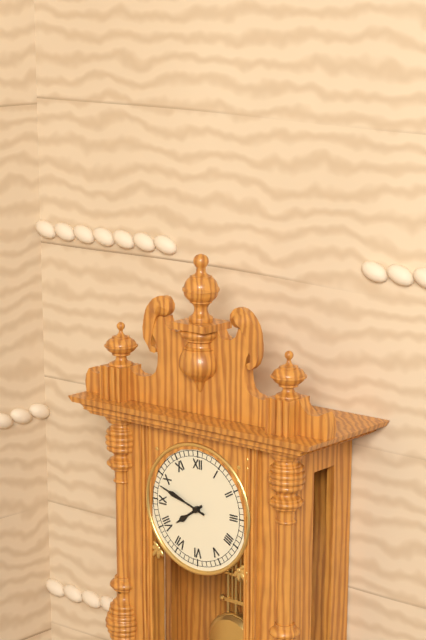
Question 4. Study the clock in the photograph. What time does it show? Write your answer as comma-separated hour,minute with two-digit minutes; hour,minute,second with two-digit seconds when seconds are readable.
7,48
